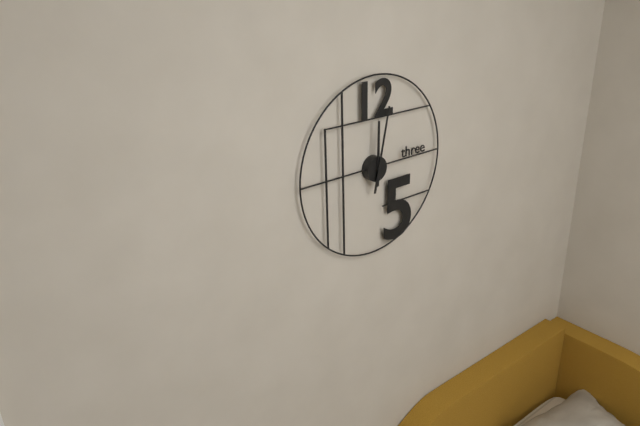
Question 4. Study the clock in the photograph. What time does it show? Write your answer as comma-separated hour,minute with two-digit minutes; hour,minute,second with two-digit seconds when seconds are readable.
12,02
